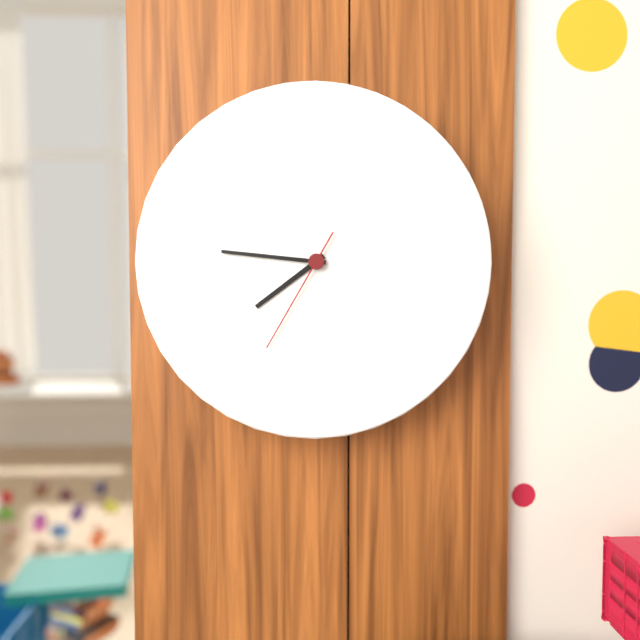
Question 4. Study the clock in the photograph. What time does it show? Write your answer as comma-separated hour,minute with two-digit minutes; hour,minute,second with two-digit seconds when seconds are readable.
7,46,35
